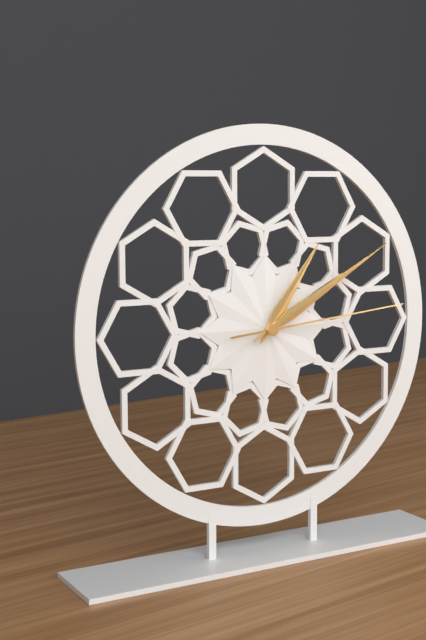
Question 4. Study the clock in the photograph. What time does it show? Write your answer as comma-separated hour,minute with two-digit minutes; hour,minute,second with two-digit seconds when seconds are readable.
1,10,14
